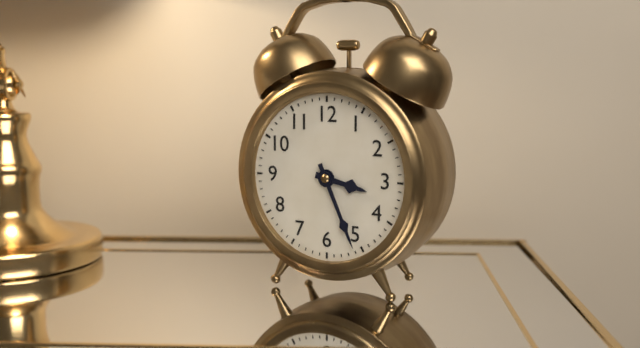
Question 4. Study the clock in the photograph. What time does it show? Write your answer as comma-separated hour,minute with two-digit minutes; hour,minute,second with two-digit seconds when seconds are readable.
3,26
